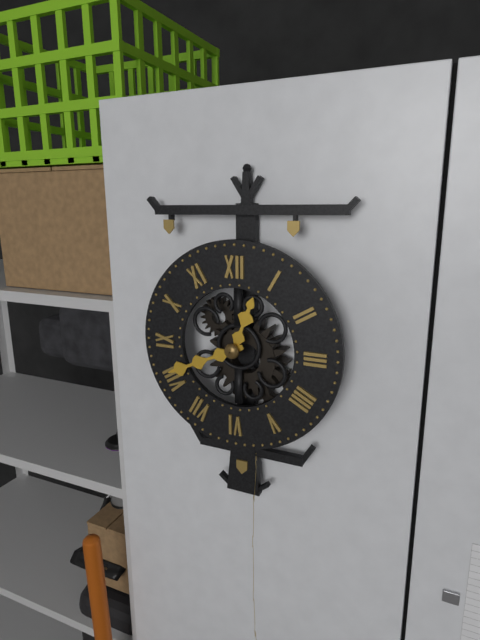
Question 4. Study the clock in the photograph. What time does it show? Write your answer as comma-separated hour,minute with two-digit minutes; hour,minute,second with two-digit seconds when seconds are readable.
12,41
